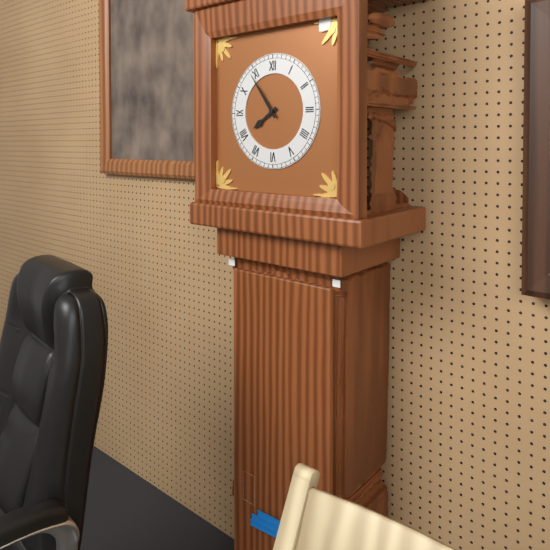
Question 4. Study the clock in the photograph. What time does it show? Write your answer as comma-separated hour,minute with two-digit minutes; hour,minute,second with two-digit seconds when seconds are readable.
7,54
